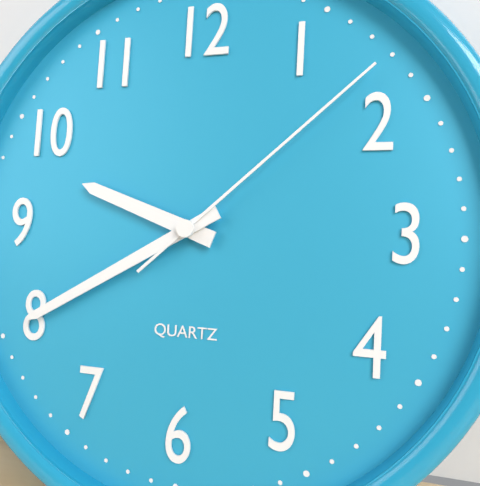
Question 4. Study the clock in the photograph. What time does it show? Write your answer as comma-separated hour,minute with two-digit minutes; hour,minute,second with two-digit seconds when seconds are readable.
9,40,08
